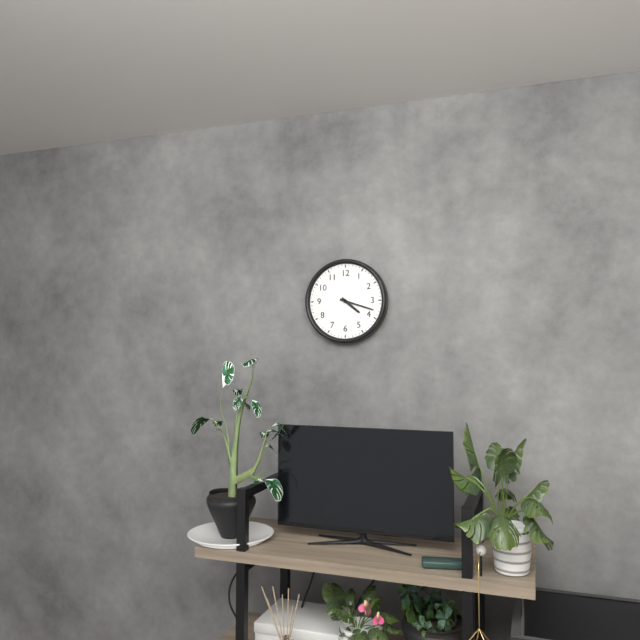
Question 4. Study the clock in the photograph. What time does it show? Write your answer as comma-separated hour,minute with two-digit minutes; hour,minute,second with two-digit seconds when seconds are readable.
4,18
